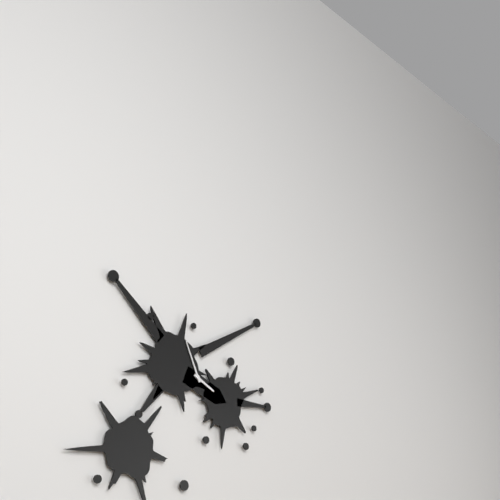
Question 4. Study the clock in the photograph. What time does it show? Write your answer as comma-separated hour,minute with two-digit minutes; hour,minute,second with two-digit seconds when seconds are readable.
3,56
